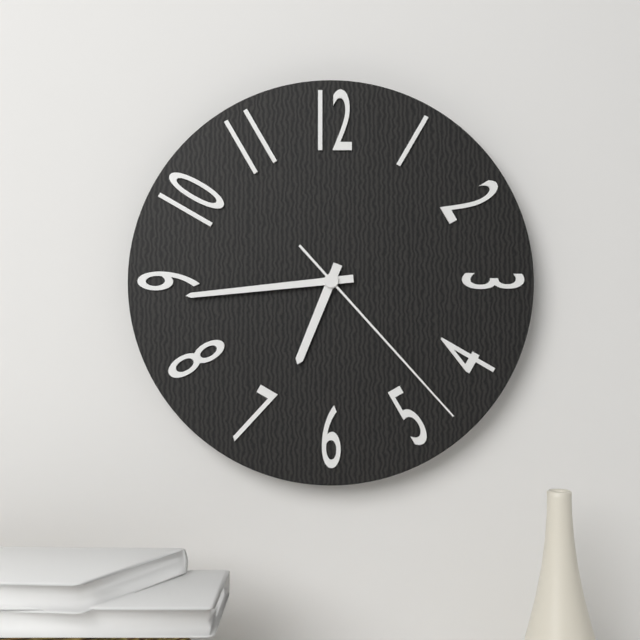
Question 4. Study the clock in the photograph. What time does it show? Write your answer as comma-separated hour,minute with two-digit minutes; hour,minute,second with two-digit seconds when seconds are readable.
6,44,23
